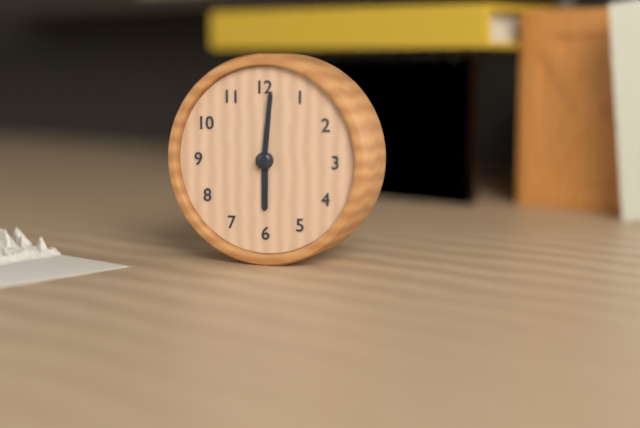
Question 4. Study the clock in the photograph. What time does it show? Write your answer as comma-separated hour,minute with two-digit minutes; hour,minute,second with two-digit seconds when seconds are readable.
6,01
